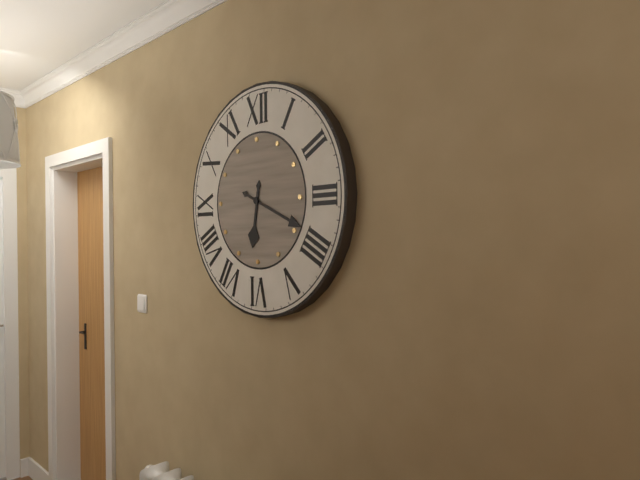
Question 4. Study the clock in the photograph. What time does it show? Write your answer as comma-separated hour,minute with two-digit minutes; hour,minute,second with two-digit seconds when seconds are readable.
6,19
